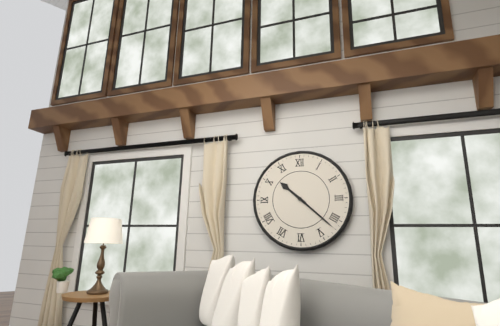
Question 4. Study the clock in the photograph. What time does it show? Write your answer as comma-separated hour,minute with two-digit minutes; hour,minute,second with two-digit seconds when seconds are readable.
10,22
